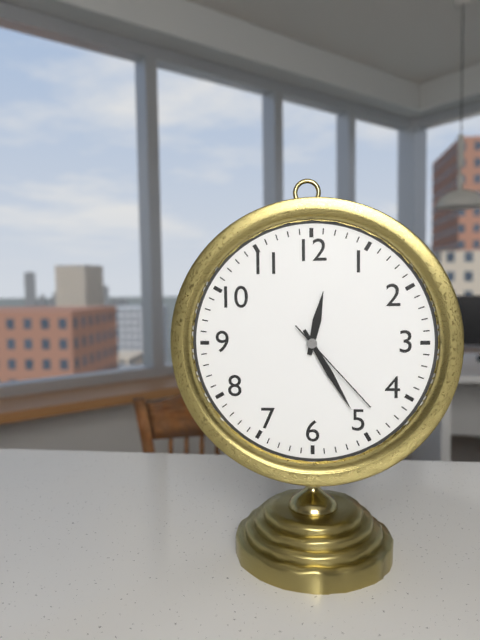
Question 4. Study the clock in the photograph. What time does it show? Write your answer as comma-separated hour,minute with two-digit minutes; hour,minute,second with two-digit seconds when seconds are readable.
12,25,23
